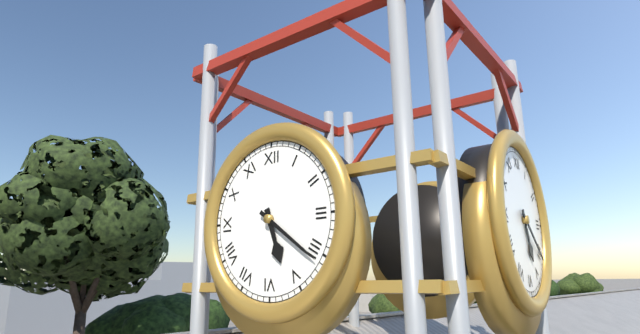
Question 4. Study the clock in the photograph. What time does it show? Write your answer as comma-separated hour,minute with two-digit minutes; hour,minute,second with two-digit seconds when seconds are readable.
5,21
